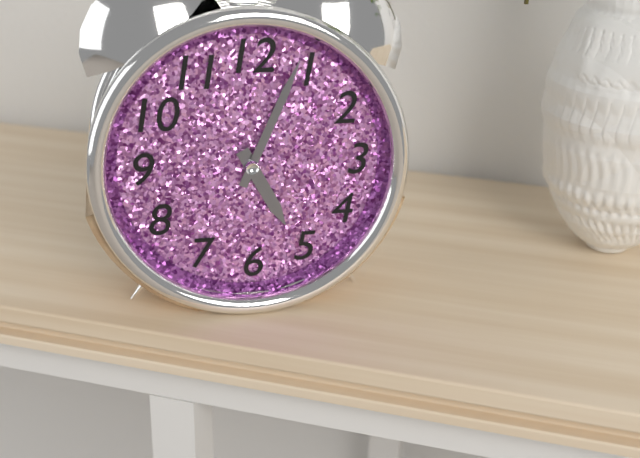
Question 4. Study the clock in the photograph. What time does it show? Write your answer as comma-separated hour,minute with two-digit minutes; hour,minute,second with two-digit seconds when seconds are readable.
5,04
